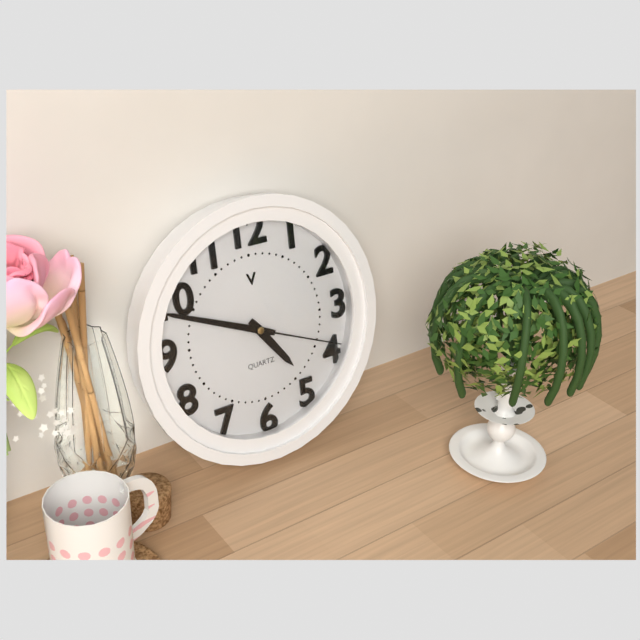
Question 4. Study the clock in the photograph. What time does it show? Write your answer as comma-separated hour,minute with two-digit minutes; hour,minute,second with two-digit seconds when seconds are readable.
4,49,19
